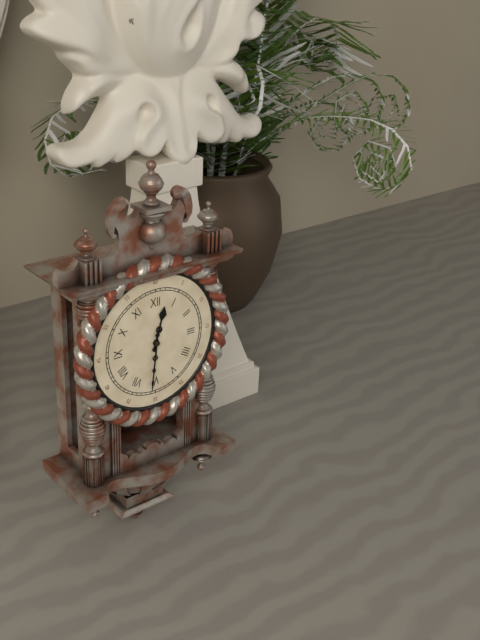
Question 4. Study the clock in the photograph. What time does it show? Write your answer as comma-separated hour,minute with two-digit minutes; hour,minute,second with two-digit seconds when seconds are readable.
12,31
